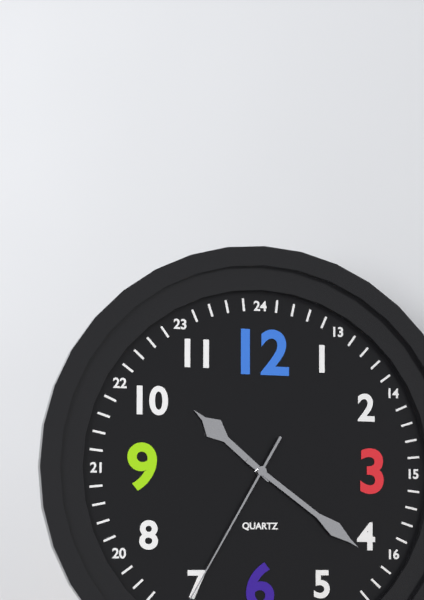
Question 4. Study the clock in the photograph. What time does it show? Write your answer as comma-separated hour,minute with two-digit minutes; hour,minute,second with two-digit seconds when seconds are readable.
10,21,35
